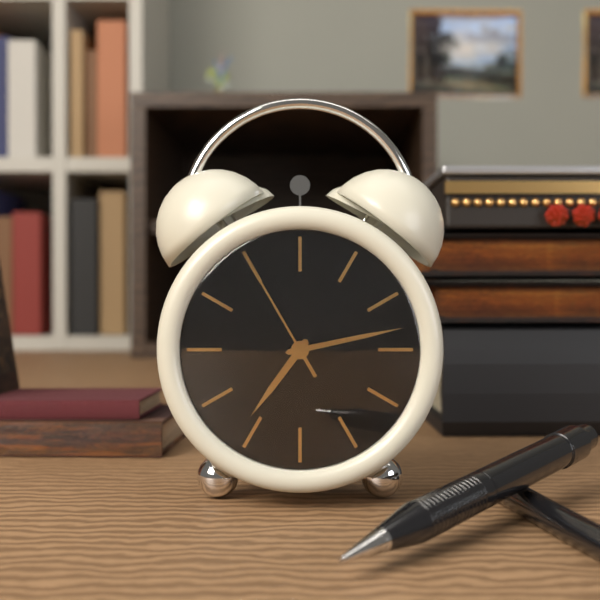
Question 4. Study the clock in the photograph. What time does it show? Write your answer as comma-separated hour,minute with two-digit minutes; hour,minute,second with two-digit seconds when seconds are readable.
7,13,55
